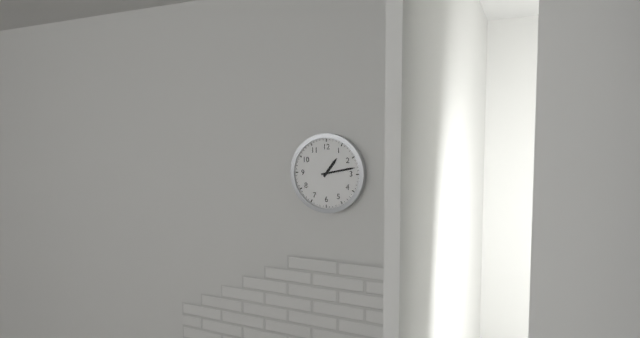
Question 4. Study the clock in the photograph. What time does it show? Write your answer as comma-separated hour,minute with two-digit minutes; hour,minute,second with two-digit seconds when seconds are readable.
1,13
